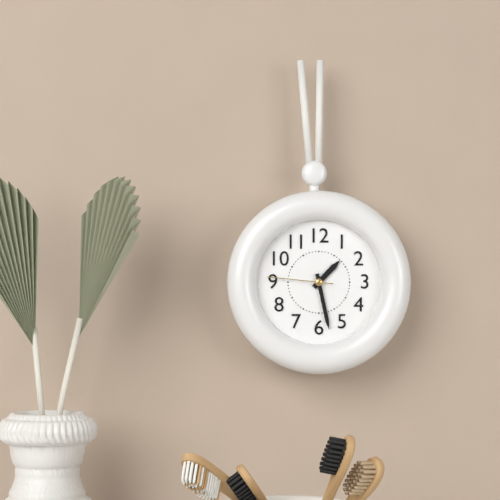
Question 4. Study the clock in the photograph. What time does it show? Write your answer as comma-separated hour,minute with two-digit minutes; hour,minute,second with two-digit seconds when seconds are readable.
1,28,46
